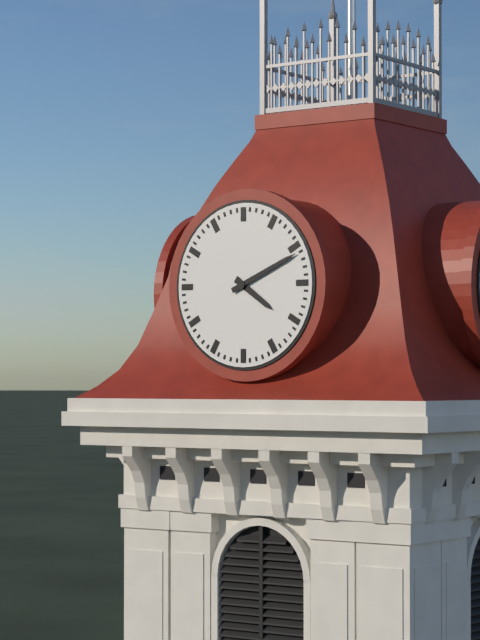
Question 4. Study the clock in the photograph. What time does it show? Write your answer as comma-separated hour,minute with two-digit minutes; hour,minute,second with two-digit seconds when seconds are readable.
4,11
